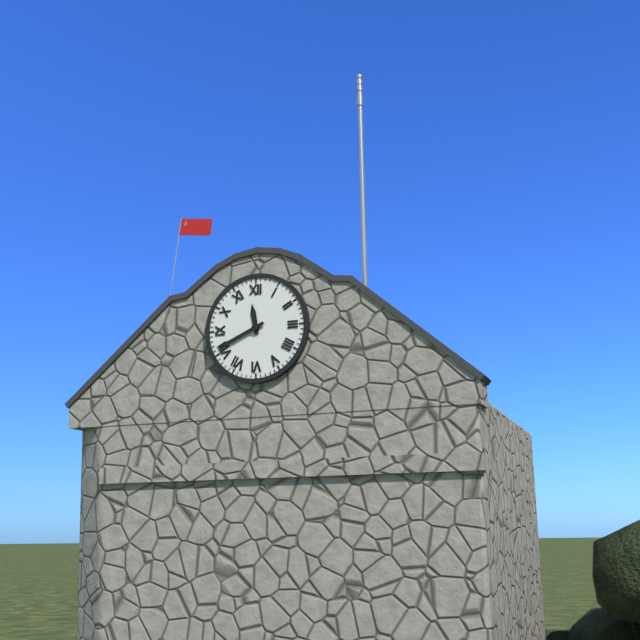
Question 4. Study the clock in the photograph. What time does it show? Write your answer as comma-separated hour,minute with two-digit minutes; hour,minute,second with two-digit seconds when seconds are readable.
11,41
